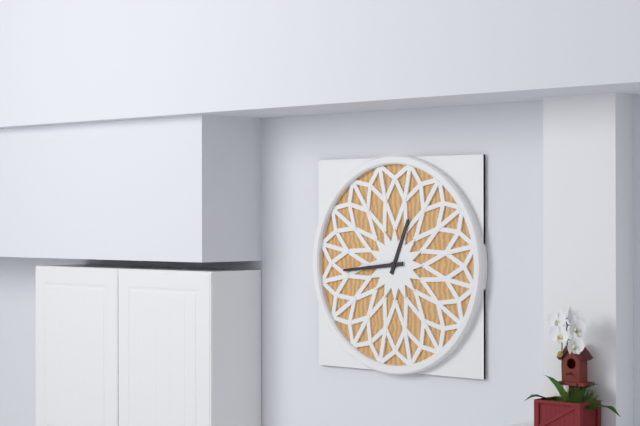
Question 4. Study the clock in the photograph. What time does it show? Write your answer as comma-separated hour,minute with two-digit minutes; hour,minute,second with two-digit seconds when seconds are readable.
12,44
